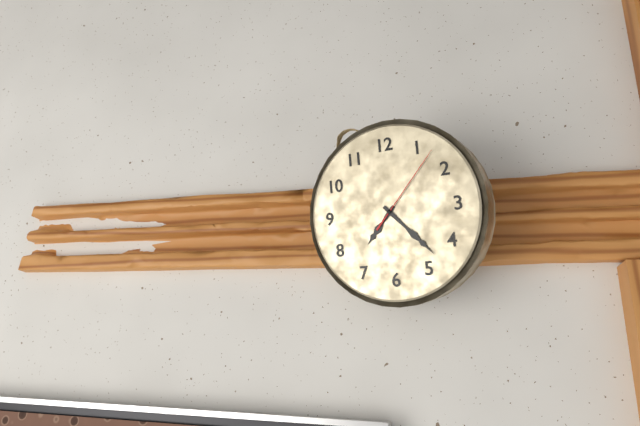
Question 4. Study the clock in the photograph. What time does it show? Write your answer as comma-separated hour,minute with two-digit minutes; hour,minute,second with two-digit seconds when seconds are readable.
7,23,07
